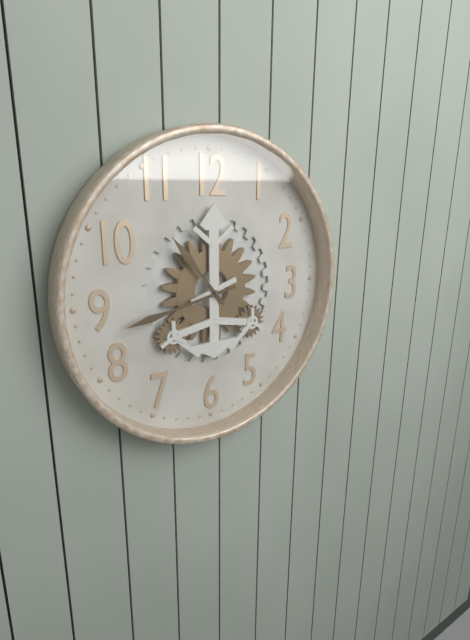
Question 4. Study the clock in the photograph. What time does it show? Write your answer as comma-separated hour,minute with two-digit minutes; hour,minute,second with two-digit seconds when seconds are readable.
10,43
